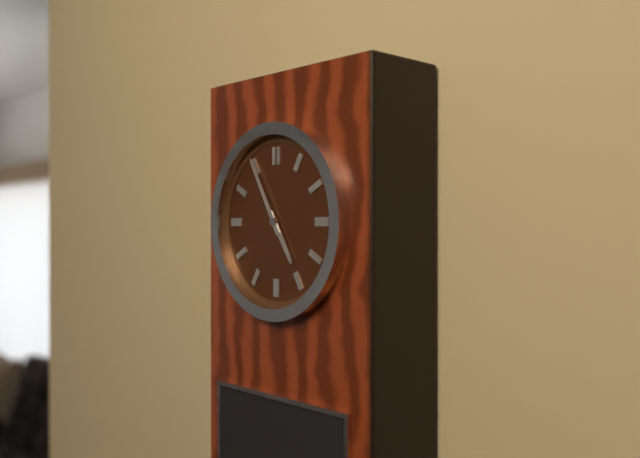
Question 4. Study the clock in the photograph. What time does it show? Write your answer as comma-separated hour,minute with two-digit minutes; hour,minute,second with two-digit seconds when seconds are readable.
4,55
